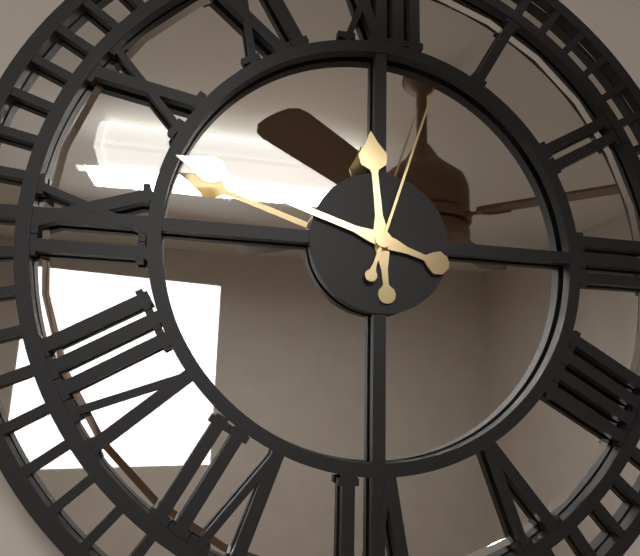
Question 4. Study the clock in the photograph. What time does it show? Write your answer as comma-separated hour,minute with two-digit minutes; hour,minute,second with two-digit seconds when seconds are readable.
11,48,03
